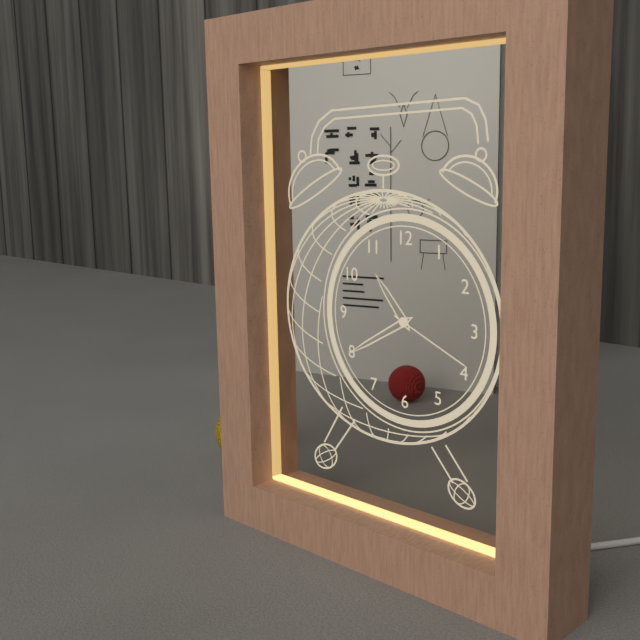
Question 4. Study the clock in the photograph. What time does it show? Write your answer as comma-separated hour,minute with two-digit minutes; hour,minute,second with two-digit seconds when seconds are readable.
10,40,19
